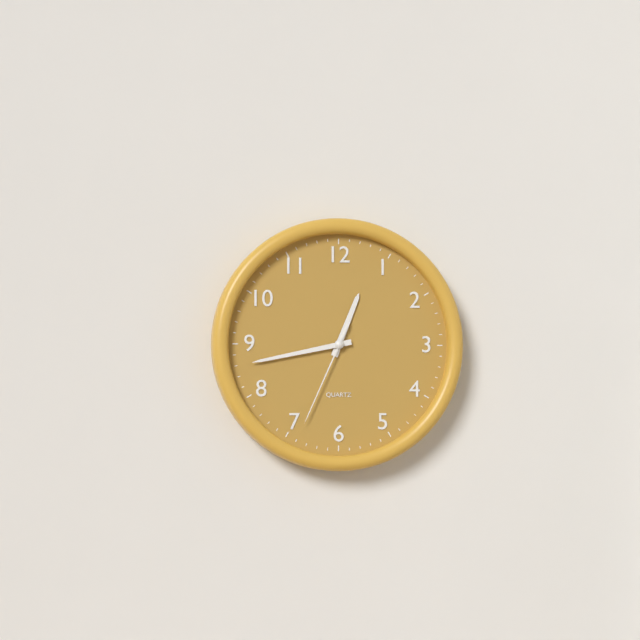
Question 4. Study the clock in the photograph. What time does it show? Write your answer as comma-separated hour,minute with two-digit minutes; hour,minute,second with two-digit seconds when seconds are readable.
12,43,34
